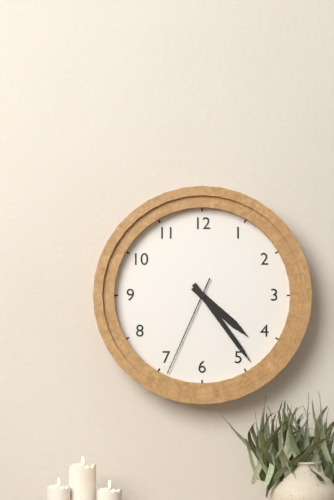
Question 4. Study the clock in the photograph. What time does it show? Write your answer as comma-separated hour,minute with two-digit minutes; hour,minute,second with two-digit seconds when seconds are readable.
4,24,34
